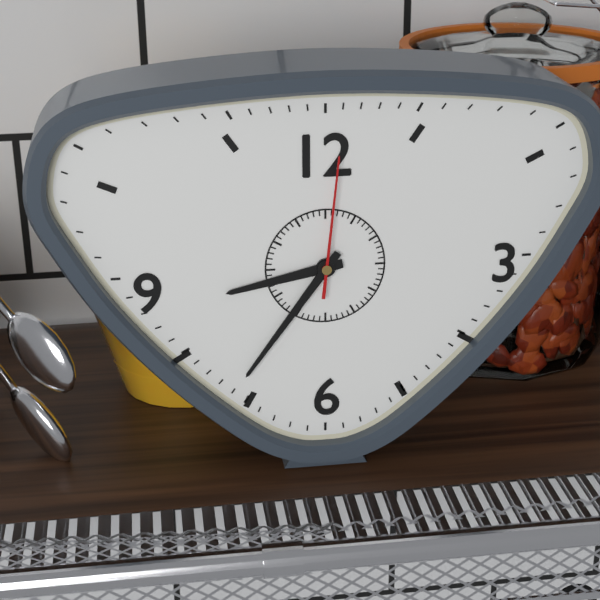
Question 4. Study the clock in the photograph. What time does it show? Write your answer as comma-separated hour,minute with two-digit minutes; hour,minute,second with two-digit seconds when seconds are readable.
8,36,01
